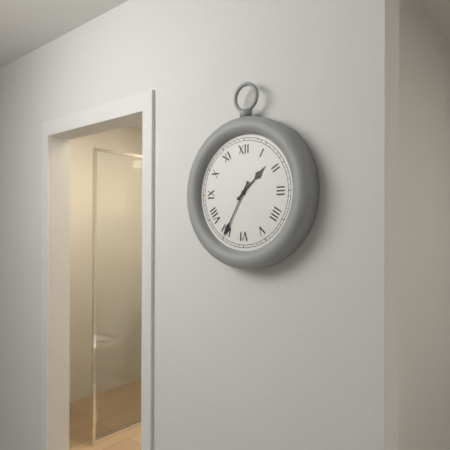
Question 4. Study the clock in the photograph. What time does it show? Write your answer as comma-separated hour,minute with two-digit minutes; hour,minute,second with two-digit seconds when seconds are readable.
1,35
